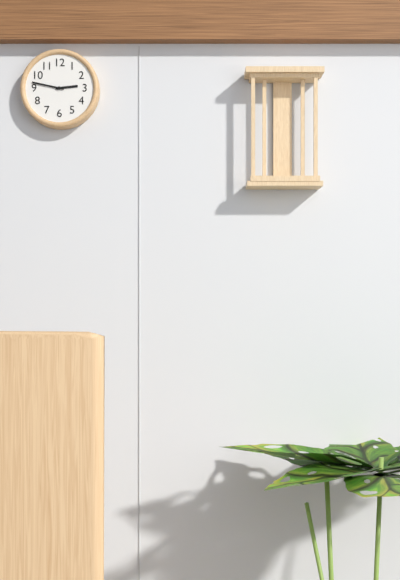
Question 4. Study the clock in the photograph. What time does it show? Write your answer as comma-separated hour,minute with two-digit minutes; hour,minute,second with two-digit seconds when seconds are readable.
2,47
